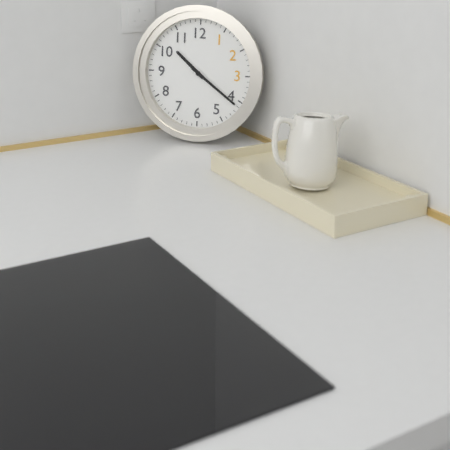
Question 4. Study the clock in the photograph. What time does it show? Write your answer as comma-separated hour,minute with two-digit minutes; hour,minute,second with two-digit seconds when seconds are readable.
10,21
